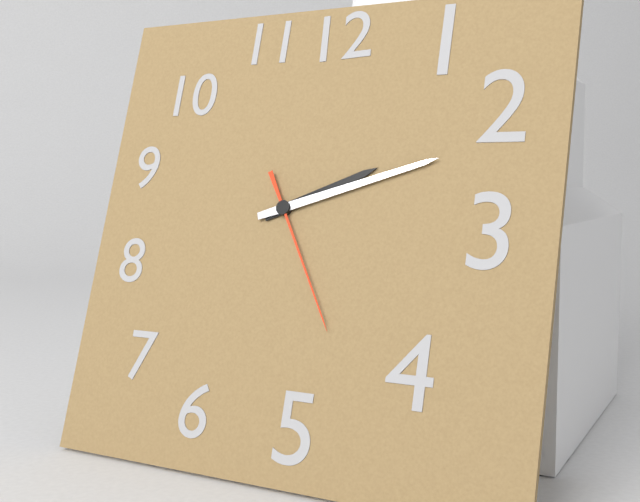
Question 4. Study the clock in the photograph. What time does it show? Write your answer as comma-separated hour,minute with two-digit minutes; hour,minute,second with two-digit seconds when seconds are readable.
2,12,25
